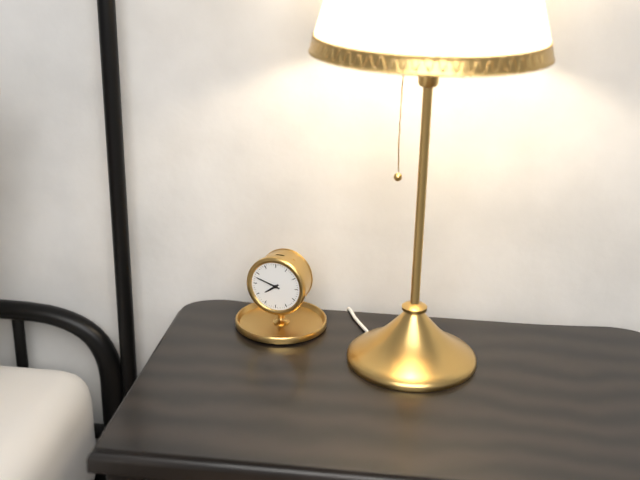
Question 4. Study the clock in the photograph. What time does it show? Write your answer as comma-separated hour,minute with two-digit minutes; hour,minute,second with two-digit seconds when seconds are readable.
7,48
